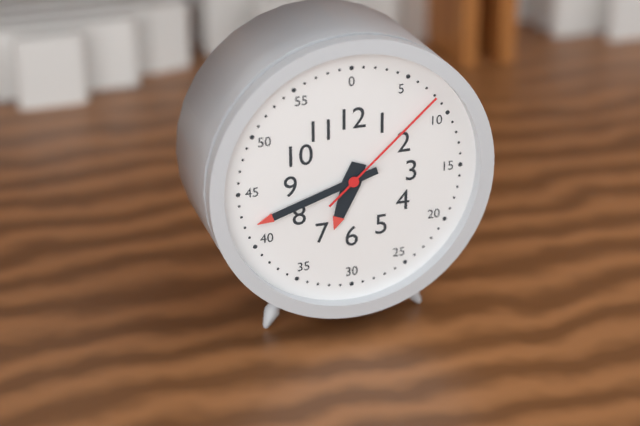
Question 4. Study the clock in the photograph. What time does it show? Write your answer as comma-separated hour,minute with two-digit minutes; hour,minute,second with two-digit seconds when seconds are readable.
6,42,08
